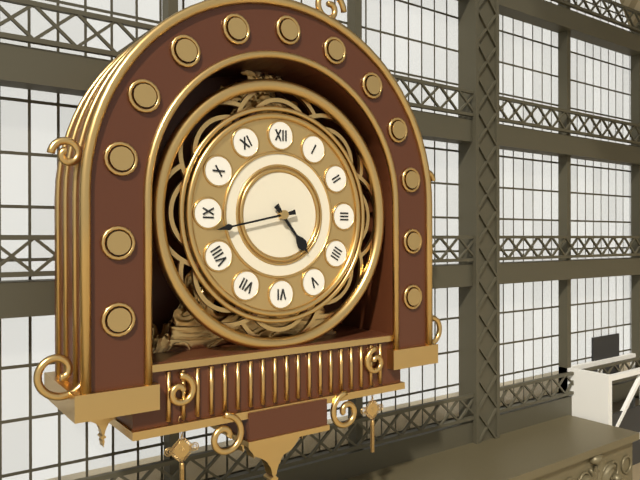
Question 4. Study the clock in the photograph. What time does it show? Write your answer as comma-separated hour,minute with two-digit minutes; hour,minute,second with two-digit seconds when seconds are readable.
4,43
